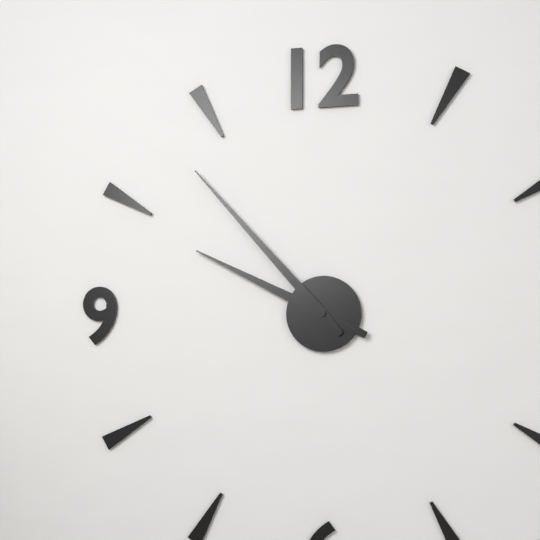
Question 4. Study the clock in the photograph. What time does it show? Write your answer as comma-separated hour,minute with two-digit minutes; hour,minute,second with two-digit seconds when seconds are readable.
9,53
